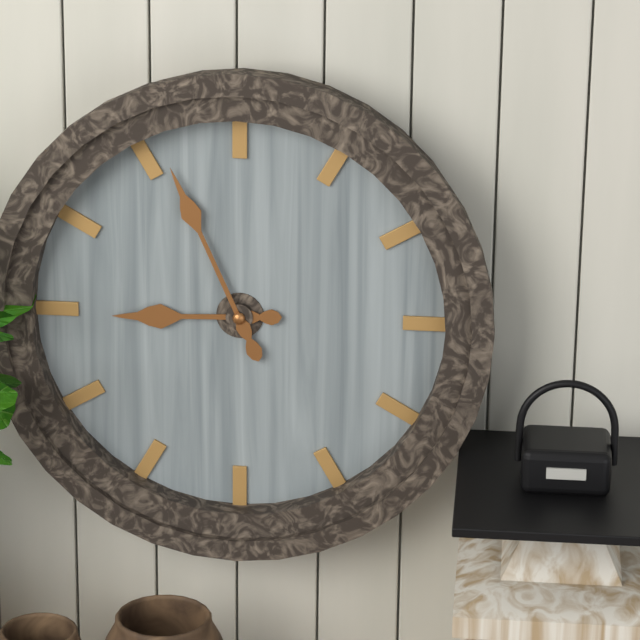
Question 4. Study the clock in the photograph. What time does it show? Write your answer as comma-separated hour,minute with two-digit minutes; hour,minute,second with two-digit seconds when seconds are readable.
8,56
